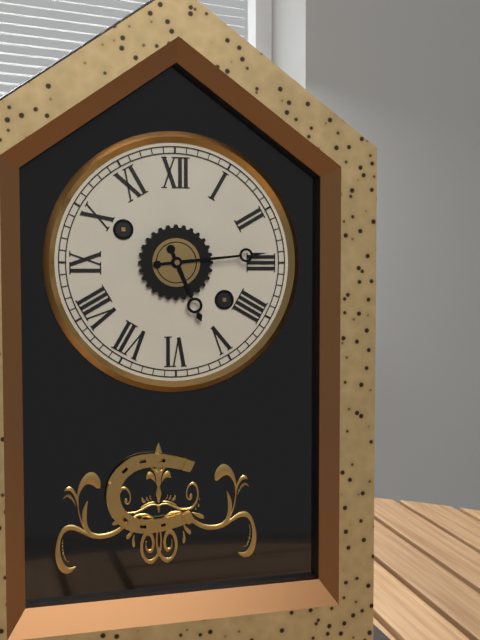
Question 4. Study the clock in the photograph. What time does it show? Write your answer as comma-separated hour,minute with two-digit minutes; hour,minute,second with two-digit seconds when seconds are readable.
5,14
